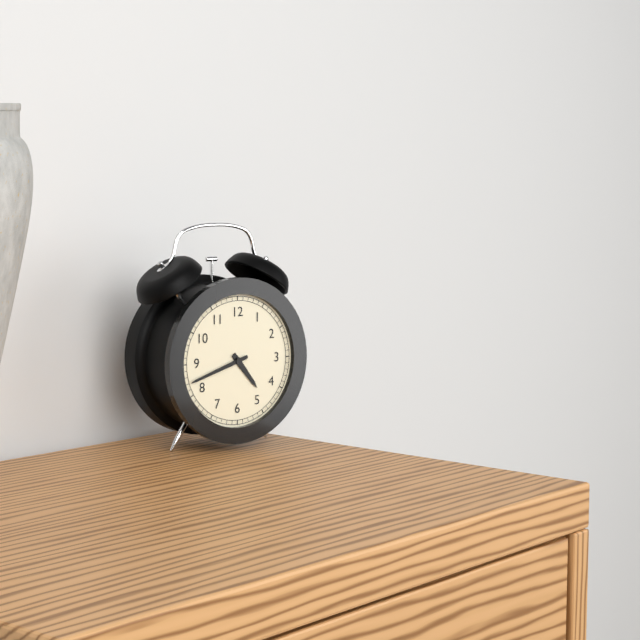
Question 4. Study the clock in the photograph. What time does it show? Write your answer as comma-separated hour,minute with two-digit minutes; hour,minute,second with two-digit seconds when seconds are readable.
4,42
